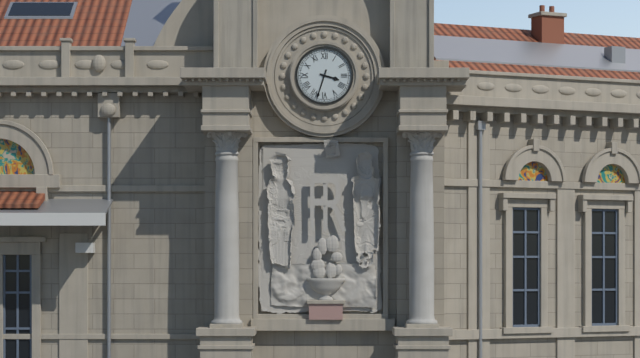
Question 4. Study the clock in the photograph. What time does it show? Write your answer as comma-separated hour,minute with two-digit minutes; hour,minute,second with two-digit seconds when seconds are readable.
3,33
